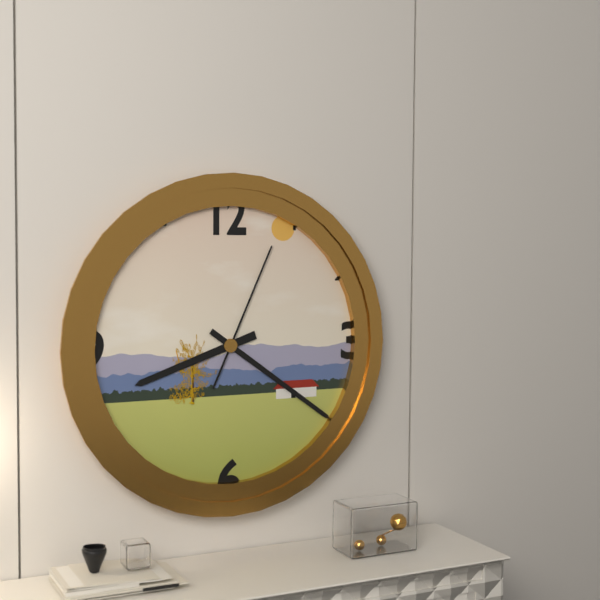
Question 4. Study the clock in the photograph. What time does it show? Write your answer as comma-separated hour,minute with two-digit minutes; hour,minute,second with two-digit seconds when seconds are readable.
8,21,04
